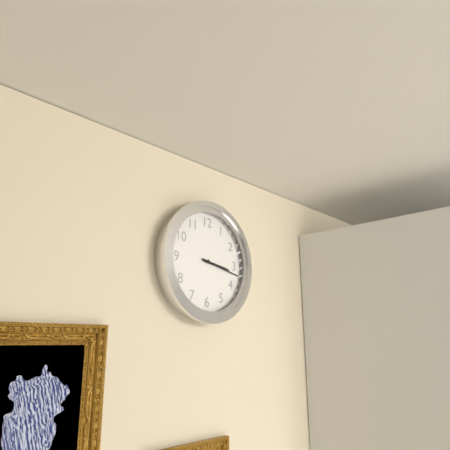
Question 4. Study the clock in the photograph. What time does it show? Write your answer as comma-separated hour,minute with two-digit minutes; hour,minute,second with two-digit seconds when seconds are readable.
3,17
